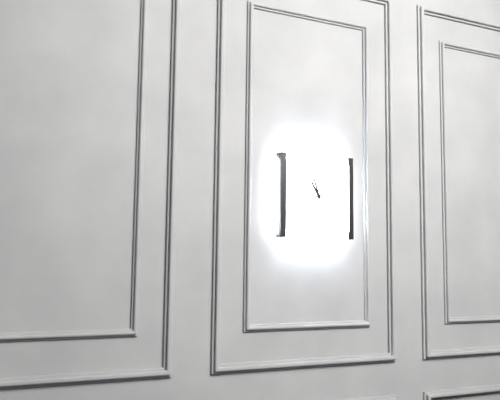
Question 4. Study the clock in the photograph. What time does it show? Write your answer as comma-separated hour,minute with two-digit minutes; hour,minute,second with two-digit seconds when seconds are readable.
10,57
